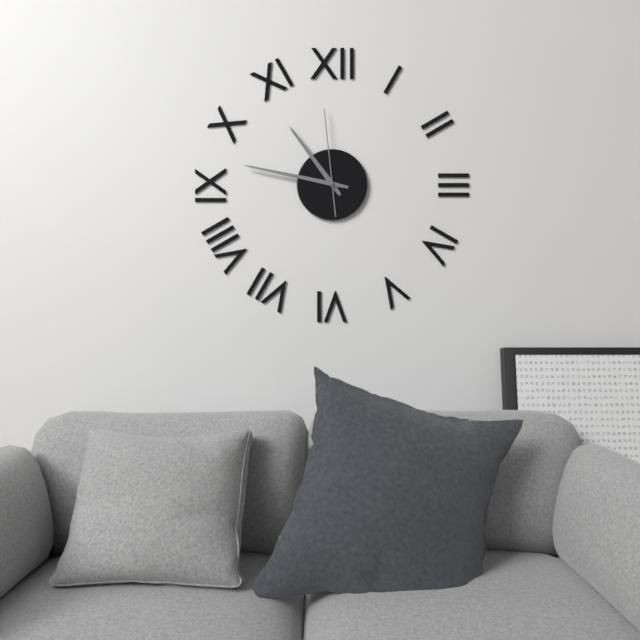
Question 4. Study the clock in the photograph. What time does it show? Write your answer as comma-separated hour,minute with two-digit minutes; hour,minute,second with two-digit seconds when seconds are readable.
10,47,59
